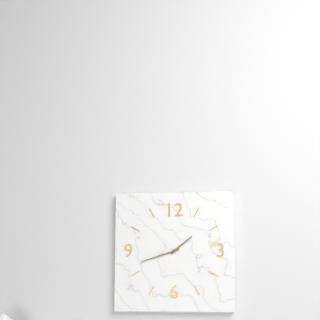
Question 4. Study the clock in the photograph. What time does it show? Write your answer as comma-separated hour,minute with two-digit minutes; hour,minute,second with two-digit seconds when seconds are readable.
1,42
